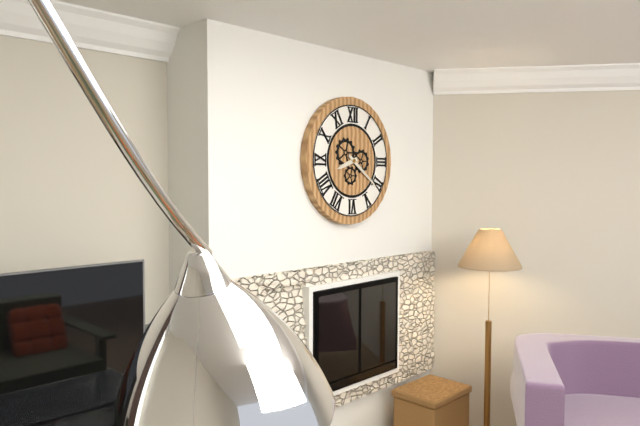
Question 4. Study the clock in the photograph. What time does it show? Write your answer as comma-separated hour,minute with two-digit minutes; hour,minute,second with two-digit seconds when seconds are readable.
8,21
